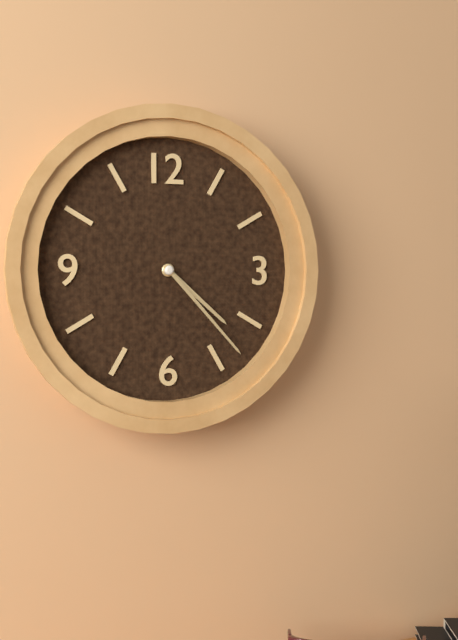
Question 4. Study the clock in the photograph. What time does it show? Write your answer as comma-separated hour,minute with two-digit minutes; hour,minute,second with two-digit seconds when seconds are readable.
4,23
